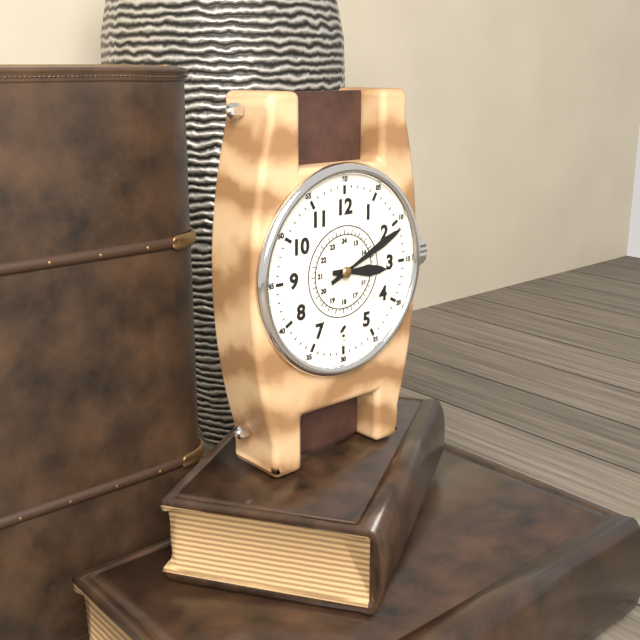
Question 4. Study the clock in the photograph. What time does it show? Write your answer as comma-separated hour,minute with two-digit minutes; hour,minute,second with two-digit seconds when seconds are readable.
3,11
